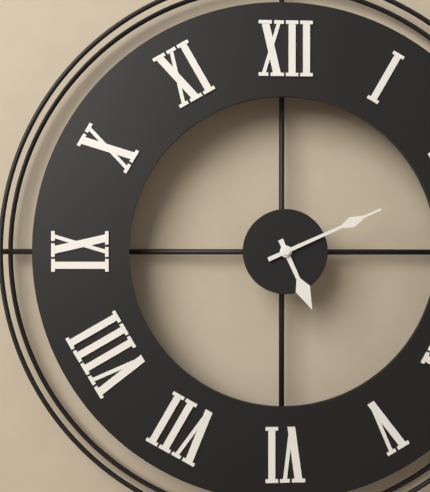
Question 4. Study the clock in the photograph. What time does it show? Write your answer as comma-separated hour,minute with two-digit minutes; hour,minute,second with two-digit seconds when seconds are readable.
5,11
